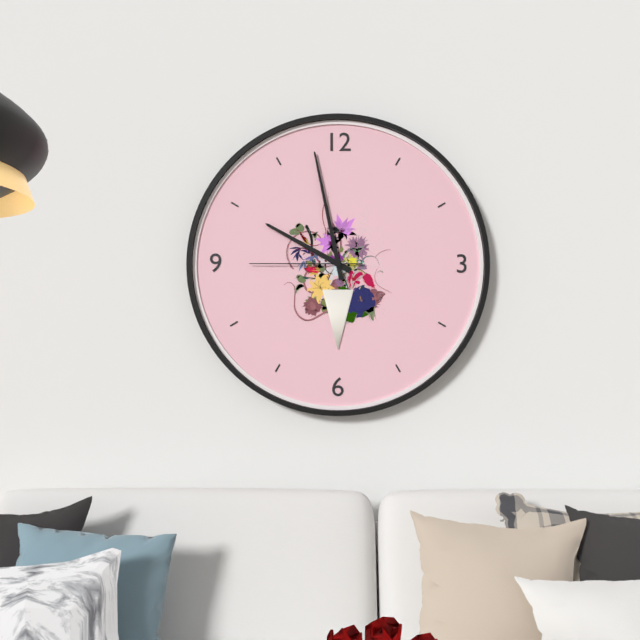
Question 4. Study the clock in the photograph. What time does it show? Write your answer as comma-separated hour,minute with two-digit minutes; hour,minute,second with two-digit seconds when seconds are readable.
9,58,45
